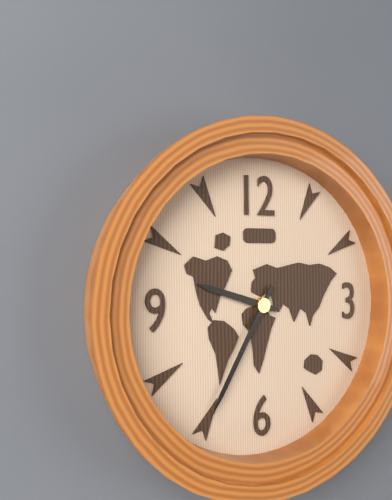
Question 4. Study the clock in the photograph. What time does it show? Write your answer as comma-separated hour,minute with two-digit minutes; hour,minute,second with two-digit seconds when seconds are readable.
9,35
